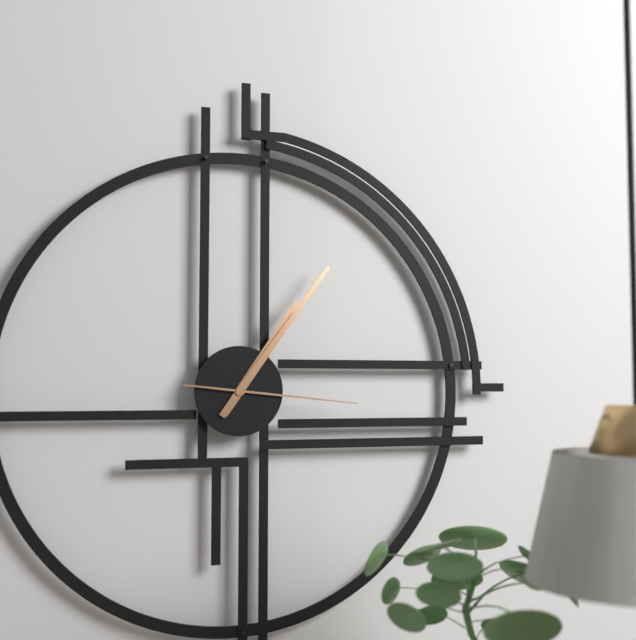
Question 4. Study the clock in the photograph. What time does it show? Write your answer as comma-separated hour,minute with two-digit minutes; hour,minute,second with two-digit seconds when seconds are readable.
1,06,16
